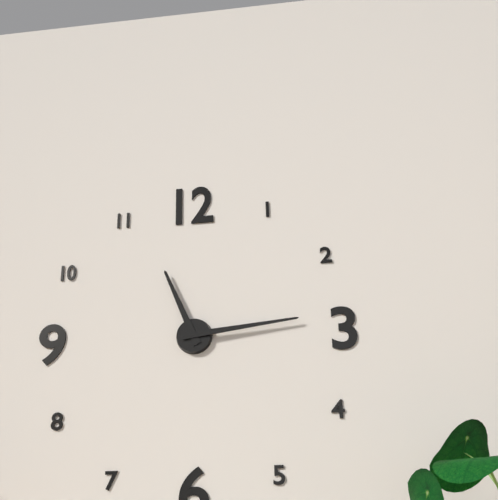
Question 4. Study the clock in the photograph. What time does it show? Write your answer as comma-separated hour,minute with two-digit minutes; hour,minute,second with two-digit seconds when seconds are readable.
11,14
